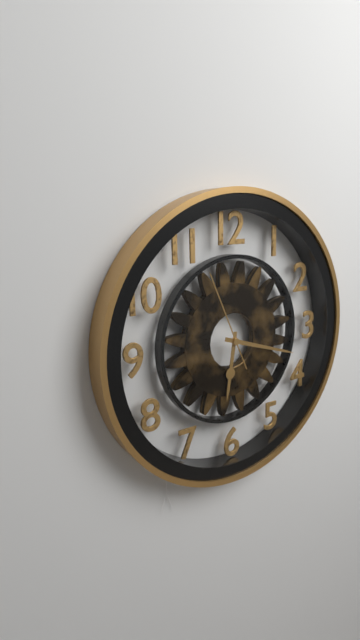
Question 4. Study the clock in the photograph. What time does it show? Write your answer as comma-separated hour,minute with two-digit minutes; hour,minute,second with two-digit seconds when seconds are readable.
6,18,56
